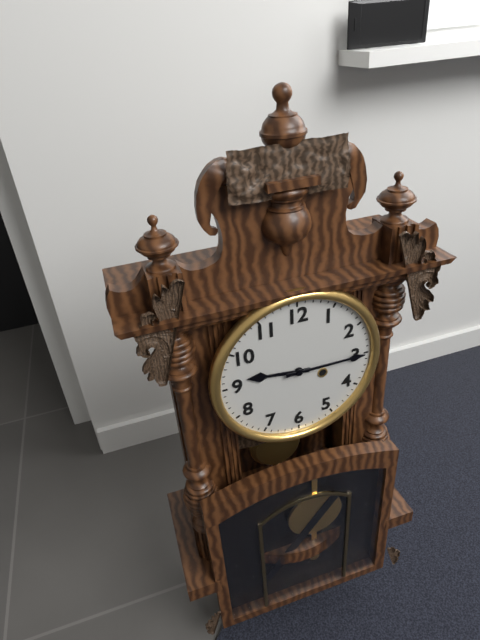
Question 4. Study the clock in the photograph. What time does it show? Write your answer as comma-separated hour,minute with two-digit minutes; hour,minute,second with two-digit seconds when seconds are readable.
9,15
